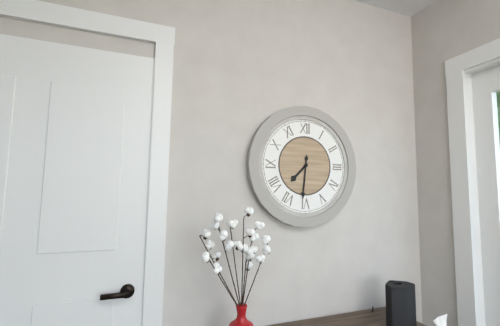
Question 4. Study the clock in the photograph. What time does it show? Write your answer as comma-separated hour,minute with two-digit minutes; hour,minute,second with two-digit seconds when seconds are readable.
7,31
